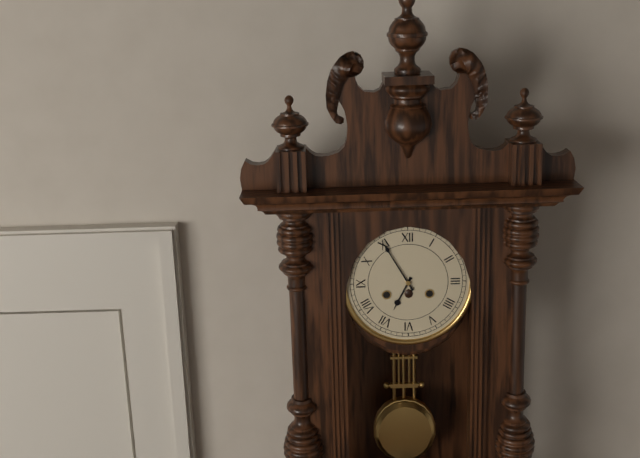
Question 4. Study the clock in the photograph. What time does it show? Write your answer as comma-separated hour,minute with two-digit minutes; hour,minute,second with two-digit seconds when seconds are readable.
6,55
